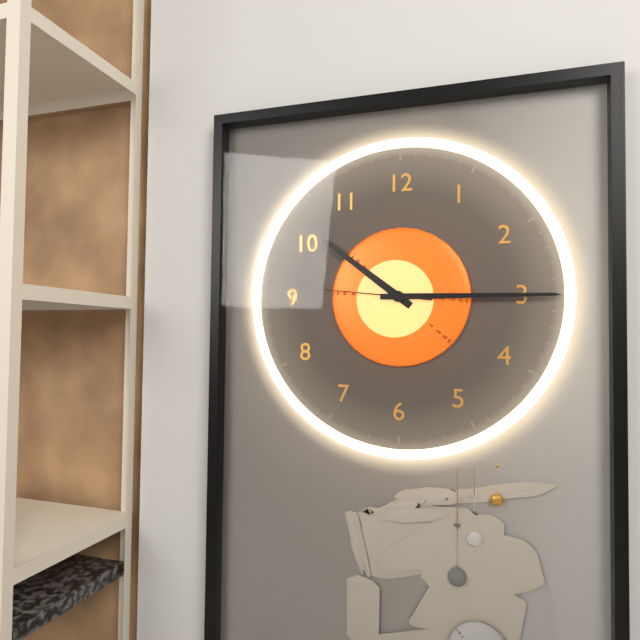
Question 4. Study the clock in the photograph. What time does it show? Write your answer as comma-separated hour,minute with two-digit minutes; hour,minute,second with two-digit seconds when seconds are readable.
10,15,46
